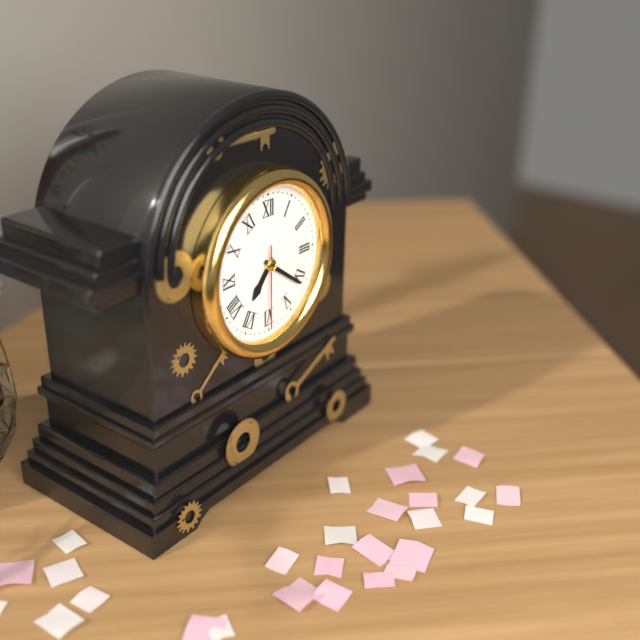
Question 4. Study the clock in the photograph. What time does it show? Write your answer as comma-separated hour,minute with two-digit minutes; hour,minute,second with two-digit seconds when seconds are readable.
7,21,30
